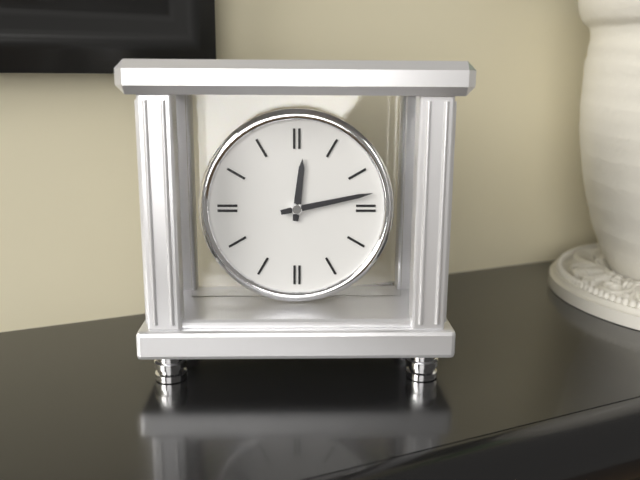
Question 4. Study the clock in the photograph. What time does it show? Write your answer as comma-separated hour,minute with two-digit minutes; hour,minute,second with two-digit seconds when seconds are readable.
12,13
